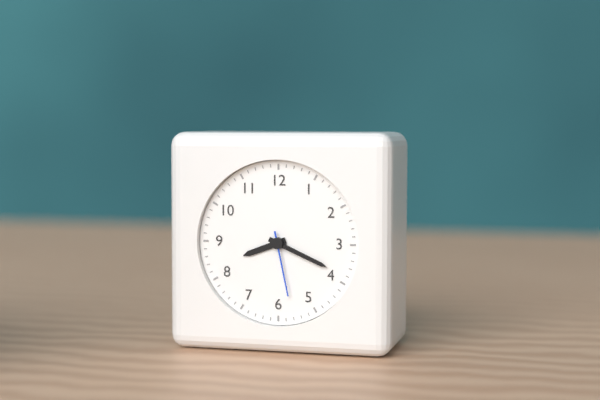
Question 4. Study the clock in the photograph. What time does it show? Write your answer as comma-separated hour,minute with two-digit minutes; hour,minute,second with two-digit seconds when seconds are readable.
8,19,28
